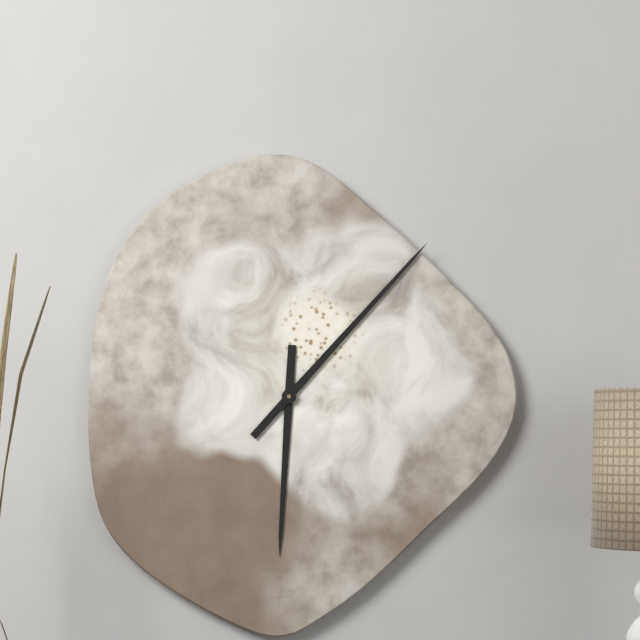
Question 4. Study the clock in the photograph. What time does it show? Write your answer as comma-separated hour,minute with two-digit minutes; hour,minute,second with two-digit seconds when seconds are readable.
6,07
